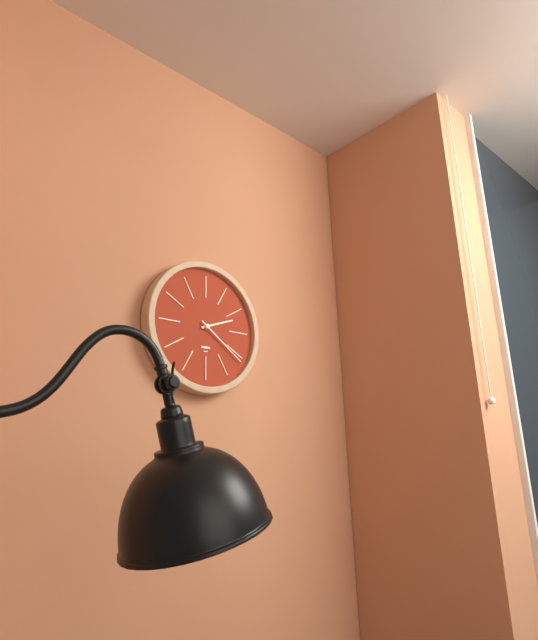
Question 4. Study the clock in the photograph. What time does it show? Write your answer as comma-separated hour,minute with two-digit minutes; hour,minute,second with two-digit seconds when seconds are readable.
2,21
